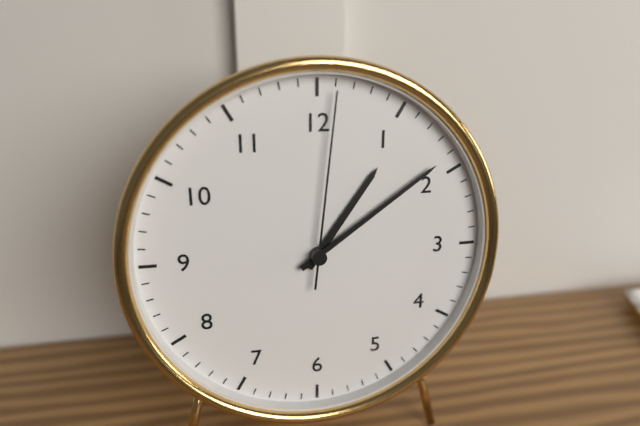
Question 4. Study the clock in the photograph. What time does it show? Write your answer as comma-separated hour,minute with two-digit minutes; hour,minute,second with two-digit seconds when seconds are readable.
1,09,01
